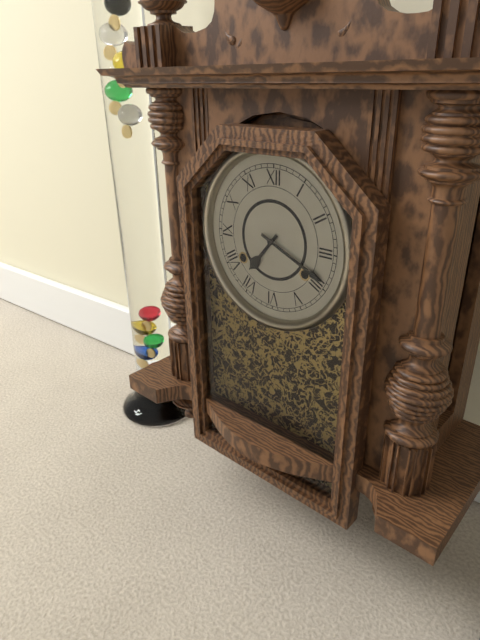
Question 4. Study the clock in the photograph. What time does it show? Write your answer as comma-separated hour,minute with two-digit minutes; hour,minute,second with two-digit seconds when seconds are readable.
7,19
